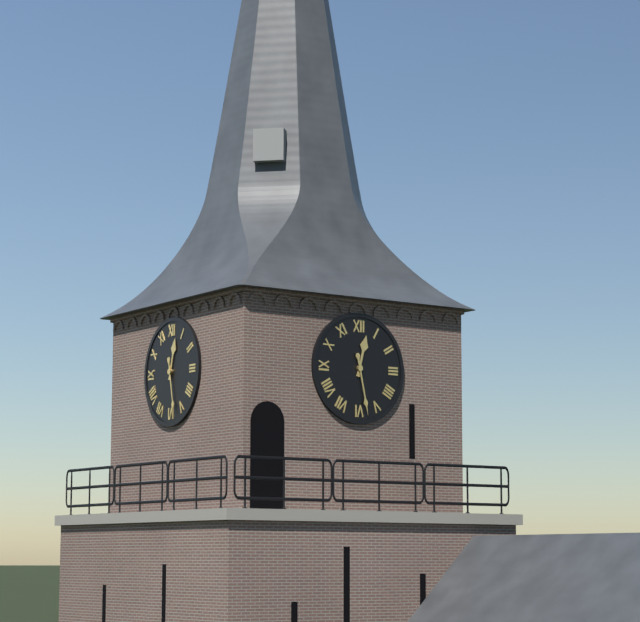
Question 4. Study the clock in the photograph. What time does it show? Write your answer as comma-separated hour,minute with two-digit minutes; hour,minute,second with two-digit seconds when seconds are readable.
12,28
